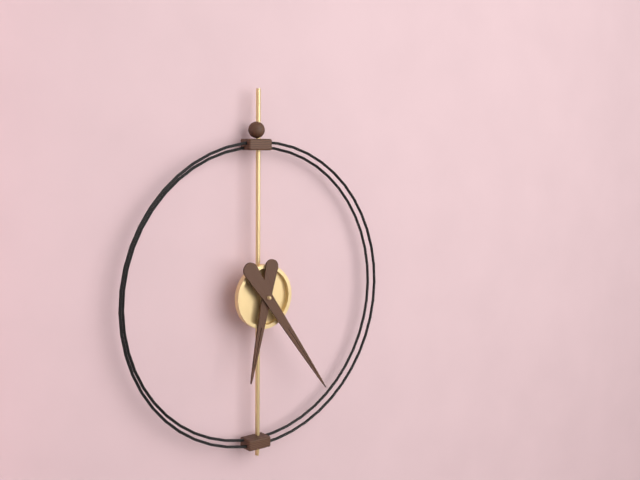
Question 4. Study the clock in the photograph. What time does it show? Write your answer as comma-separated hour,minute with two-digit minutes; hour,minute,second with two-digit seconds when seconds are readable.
6,24
